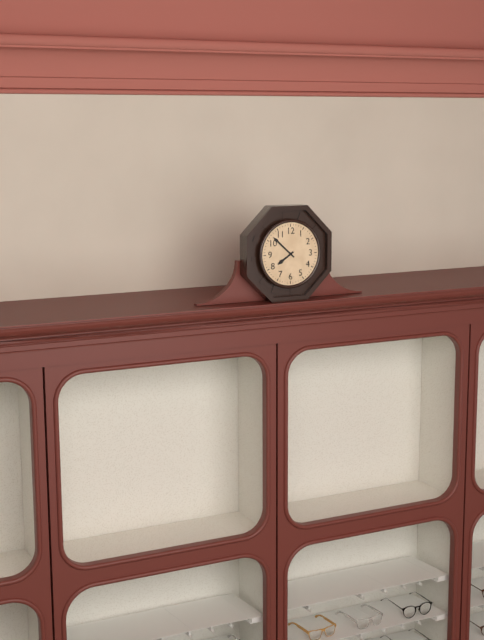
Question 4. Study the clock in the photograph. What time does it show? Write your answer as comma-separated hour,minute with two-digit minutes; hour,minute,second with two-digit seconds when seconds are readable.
7,52
